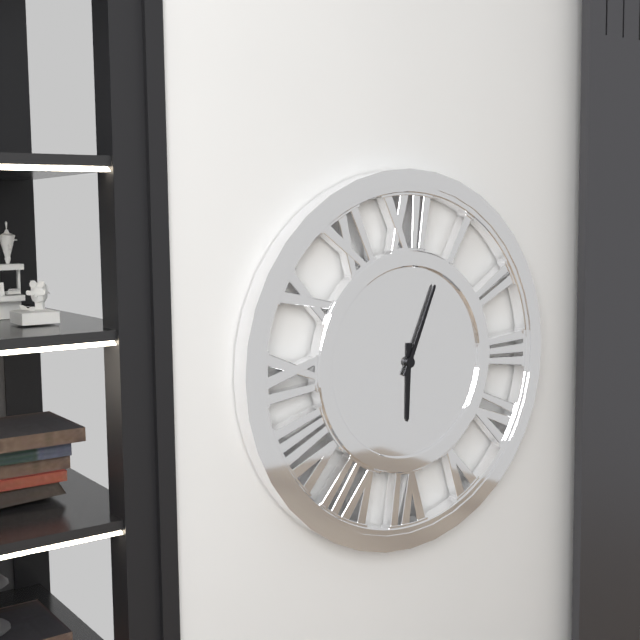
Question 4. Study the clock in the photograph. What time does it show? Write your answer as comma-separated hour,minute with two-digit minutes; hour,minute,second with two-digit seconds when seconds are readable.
6,04
